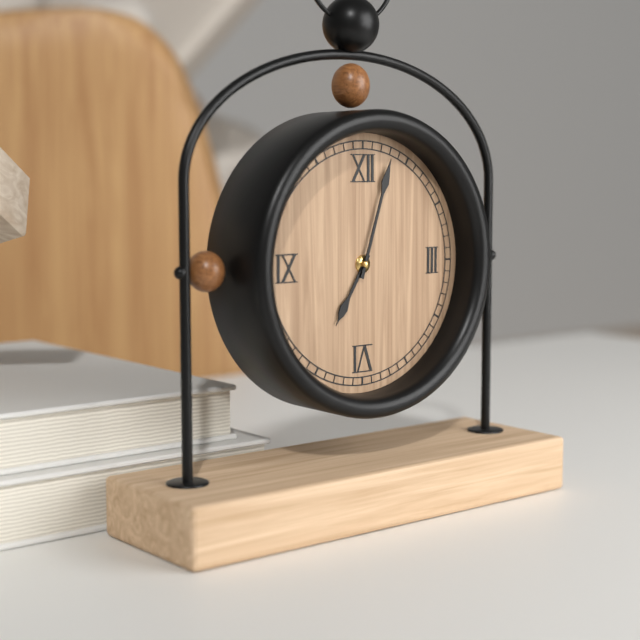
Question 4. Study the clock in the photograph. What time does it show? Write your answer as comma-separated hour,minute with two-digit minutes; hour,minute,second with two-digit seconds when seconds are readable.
7,03
